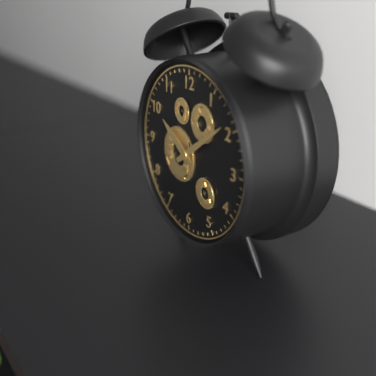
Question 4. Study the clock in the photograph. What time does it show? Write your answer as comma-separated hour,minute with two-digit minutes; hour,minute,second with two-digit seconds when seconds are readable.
10,09
